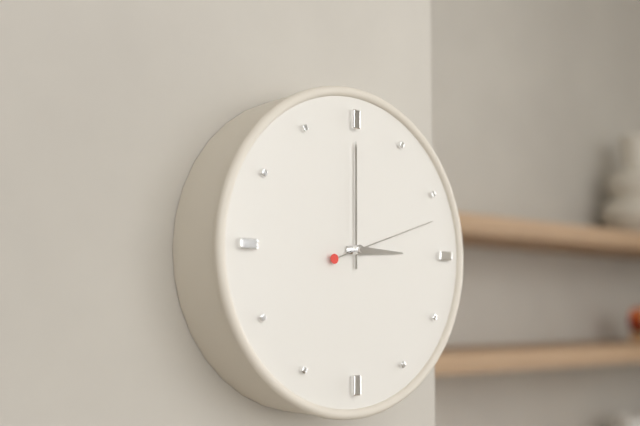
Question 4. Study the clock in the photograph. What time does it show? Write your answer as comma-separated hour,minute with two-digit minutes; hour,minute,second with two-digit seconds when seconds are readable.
3,00,12
